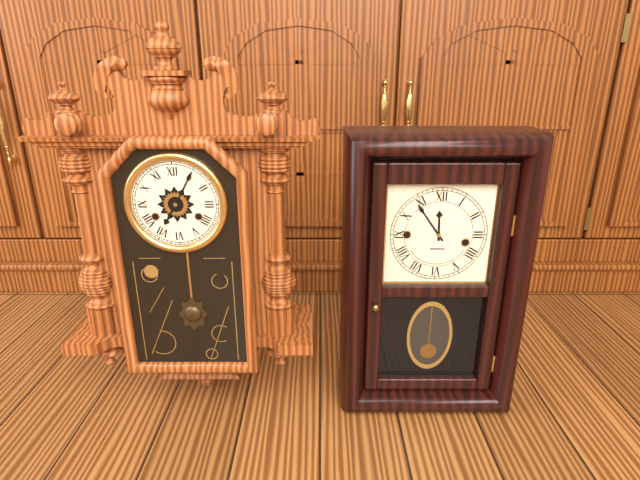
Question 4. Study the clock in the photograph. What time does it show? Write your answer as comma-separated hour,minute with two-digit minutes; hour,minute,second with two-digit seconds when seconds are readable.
7,05
